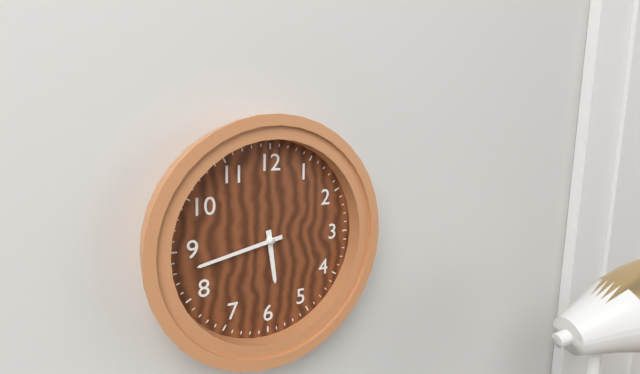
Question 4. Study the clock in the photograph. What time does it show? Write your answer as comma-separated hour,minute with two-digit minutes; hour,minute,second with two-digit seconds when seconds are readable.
5,43
